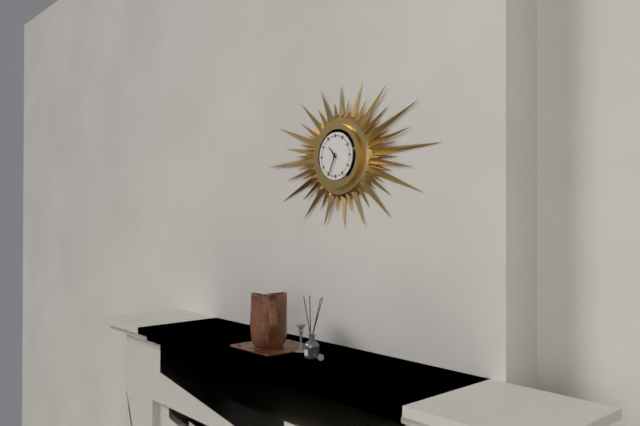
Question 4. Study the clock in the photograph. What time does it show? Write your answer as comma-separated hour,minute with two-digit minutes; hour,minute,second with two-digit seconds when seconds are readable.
10,34
